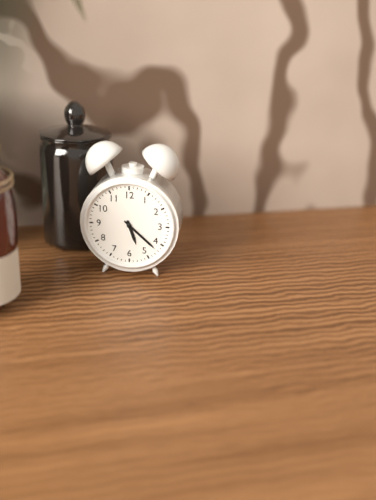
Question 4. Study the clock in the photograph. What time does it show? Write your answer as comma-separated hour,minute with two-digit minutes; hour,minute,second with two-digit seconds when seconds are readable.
5,22
